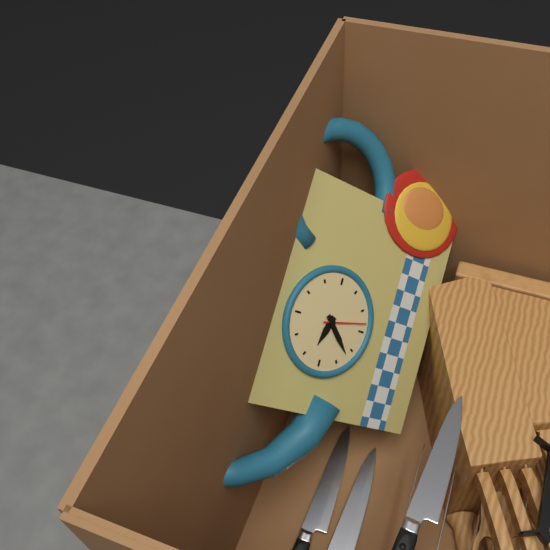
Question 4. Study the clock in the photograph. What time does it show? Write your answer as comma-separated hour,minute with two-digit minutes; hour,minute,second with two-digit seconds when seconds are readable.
9,37,28
